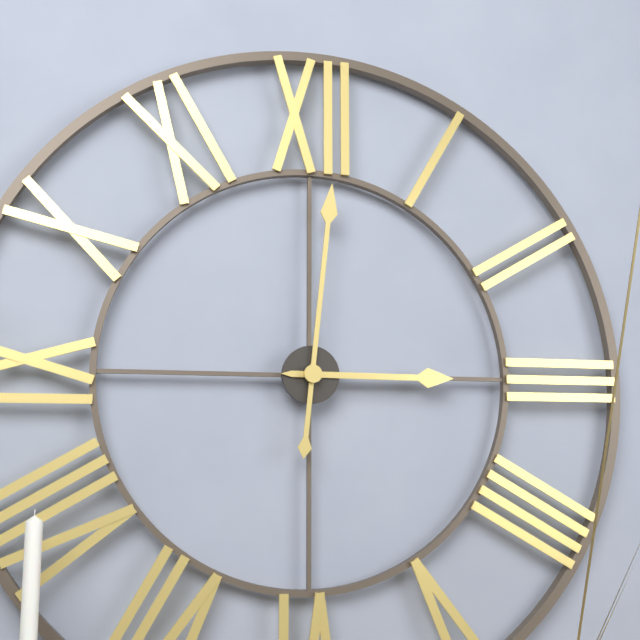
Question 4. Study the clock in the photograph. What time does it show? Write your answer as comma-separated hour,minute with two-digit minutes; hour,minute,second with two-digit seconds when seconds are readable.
3,01
